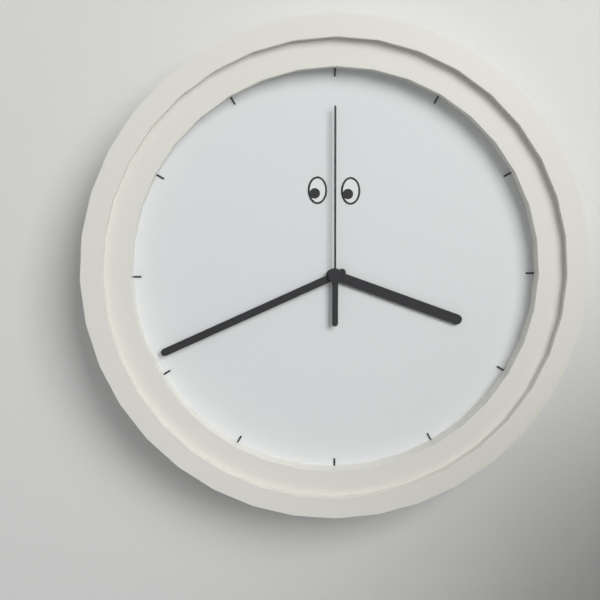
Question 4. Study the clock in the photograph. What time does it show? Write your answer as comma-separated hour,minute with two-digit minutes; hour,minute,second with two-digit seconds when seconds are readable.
3,41,00
